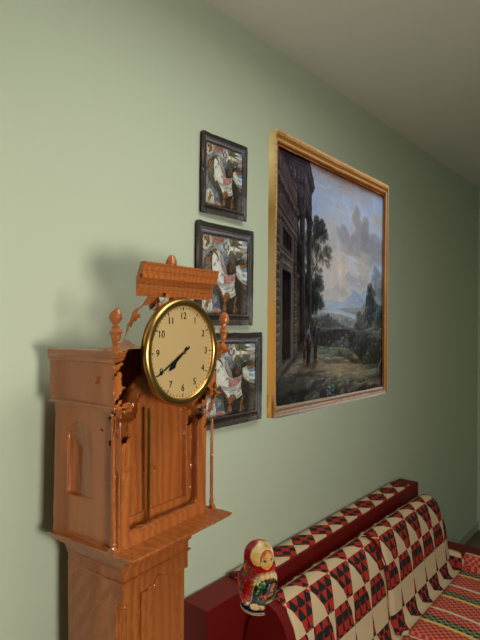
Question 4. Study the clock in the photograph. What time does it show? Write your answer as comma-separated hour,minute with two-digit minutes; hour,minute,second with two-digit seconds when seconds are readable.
7,40
